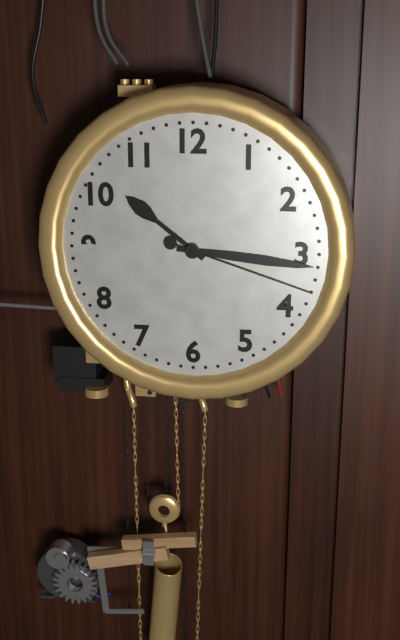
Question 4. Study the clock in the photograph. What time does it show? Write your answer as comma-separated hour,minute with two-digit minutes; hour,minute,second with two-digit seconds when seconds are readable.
10,16,18
